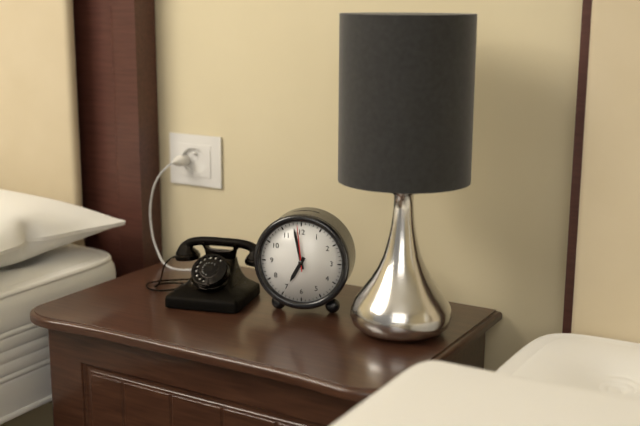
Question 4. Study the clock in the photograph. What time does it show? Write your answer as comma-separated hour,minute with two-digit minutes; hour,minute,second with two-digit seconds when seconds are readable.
6,58
